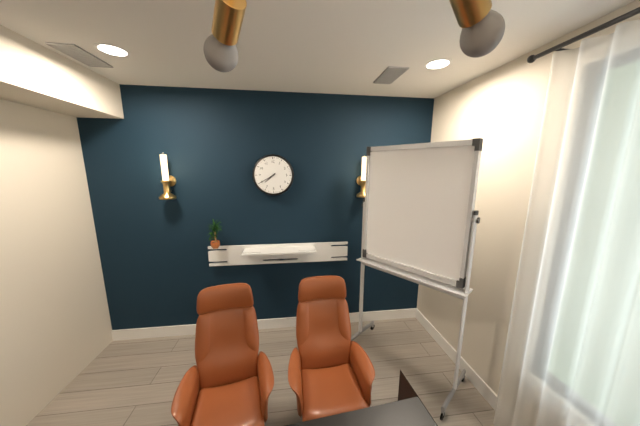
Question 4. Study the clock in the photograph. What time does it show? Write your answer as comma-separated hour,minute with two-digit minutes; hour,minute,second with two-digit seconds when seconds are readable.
7,40
